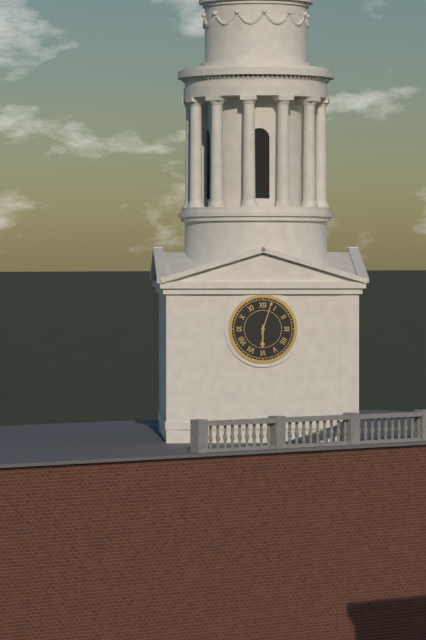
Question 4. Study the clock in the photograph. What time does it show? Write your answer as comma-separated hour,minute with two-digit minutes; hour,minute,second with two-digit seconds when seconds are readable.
6,03
